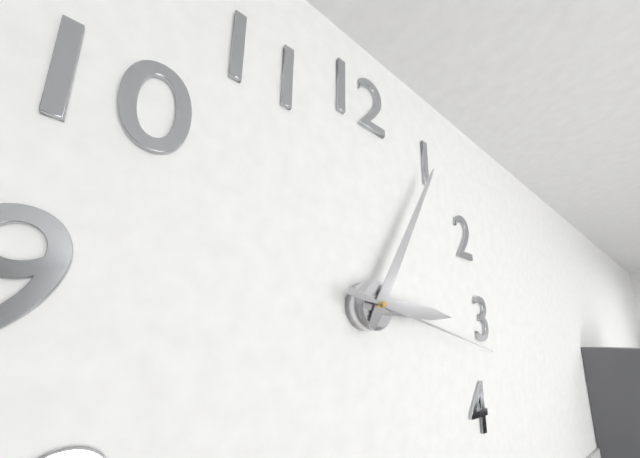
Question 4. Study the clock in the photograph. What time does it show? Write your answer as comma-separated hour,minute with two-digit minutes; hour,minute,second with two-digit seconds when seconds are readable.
3,05,17
